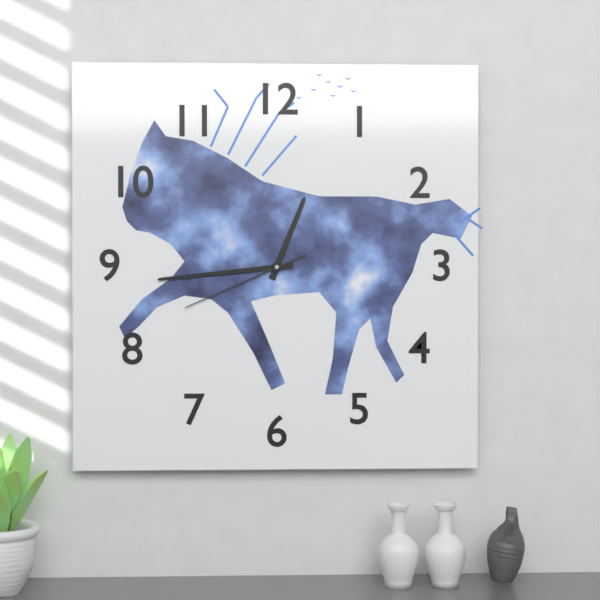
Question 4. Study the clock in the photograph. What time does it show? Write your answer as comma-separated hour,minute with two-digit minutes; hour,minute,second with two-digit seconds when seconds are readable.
12,44,41
